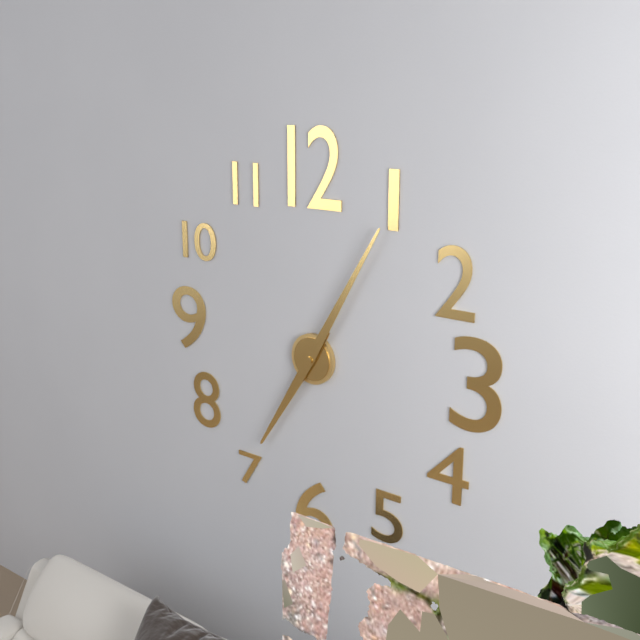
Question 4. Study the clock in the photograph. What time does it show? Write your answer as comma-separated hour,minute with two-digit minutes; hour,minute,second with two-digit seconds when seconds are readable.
7,05
